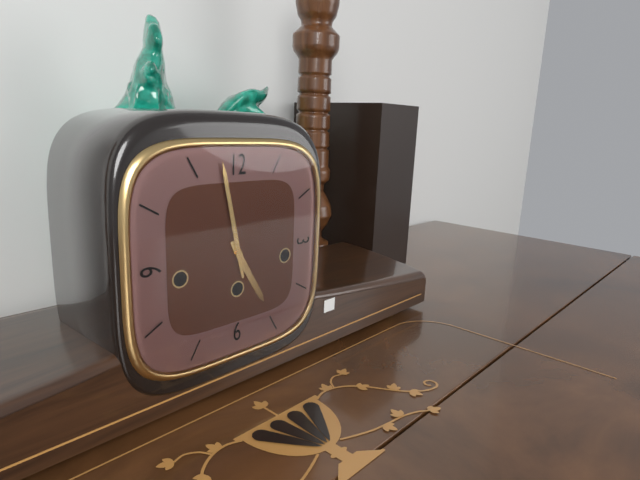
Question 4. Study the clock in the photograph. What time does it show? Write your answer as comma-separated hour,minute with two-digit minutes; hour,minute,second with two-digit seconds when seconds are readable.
4,58
